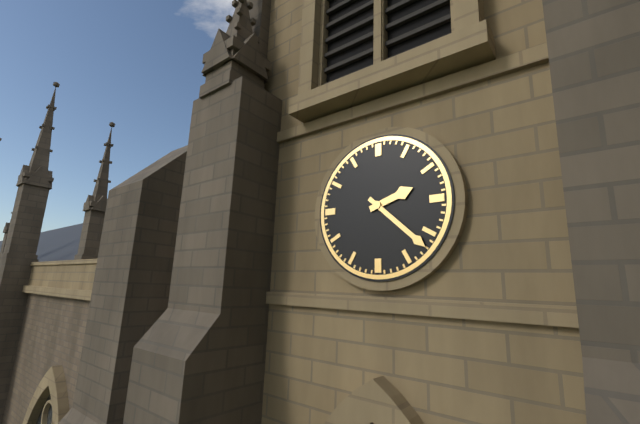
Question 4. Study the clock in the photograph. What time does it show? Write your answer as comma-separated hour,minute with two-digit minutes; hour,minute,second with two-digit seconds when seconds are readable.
2,22
